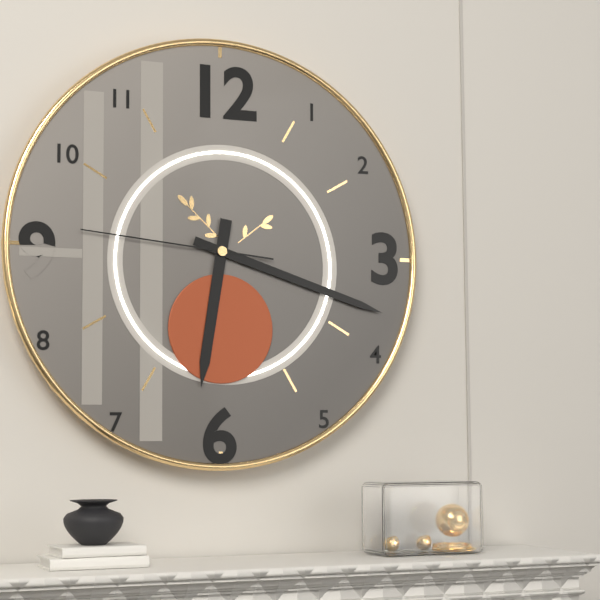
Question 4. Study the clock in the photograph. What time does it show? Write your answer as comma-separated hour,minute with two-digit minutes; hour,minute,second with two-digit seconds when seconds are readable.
6,18,46
